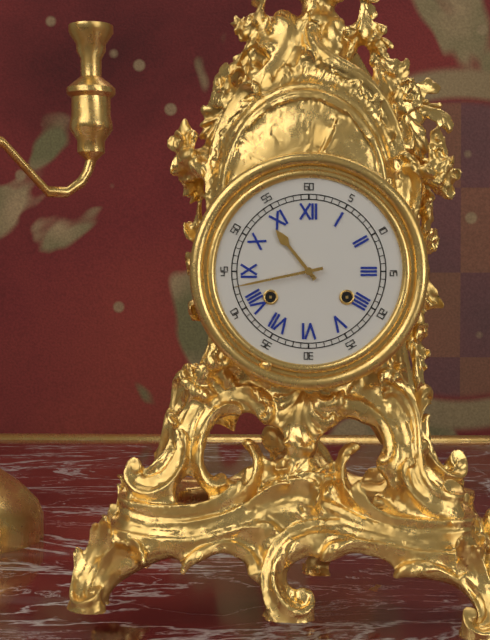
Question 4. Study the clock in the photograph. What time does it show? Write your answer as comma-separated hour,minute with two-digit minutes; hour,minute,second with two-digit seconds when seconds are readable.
10,43
